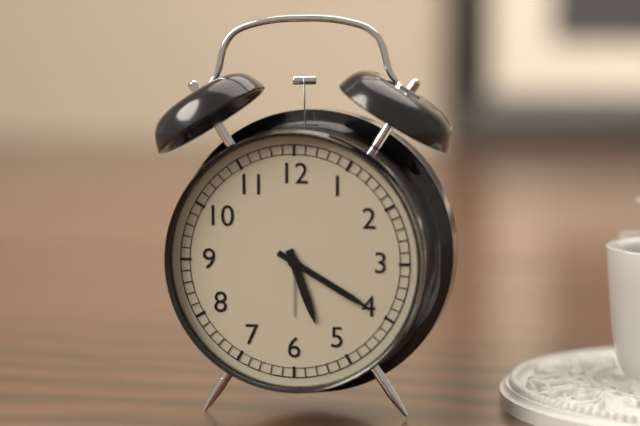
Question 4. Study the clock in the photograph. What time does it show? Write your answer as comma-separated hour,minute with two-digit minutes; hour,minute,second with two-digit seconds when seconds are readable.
5,20
